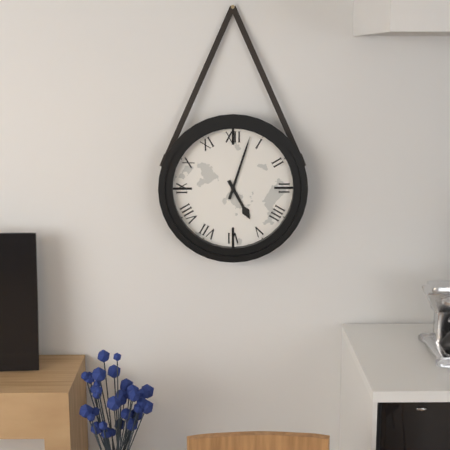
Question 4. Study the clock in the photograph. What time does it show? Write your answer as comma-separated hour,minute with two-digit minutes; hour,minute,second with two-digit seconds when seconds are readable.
5,03
